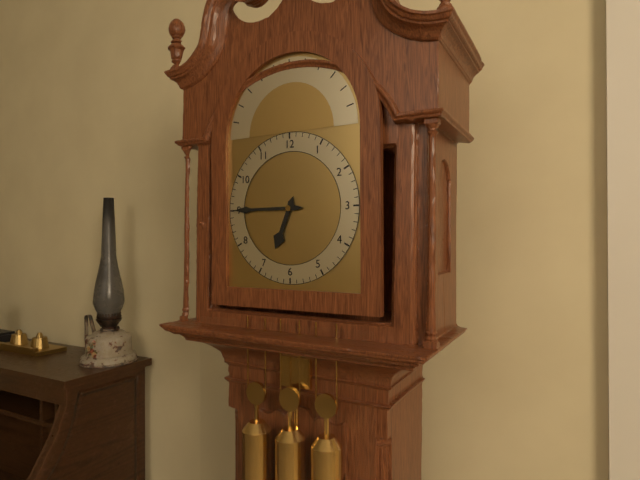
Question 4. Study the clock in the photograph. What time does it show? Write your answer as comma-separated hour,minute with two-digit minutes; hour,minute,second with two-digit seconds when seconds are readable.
6,45
